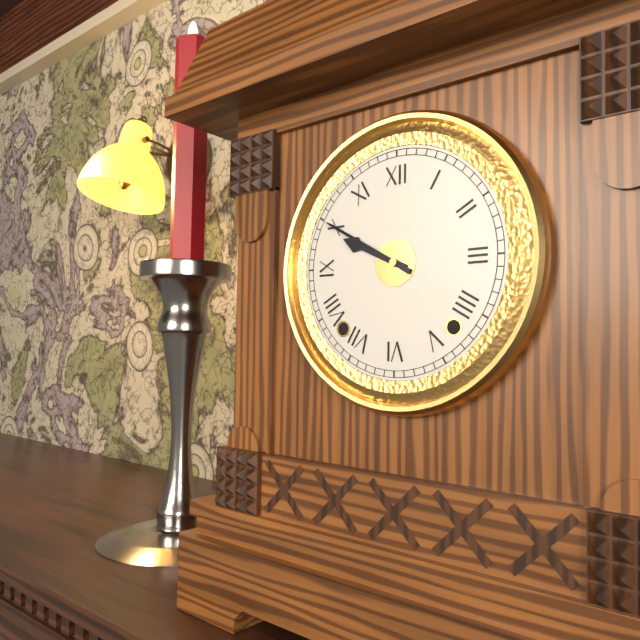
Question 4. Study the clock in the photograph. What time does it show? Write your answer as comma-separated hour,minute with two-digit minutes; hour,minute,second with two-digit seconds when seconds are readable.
9,50
